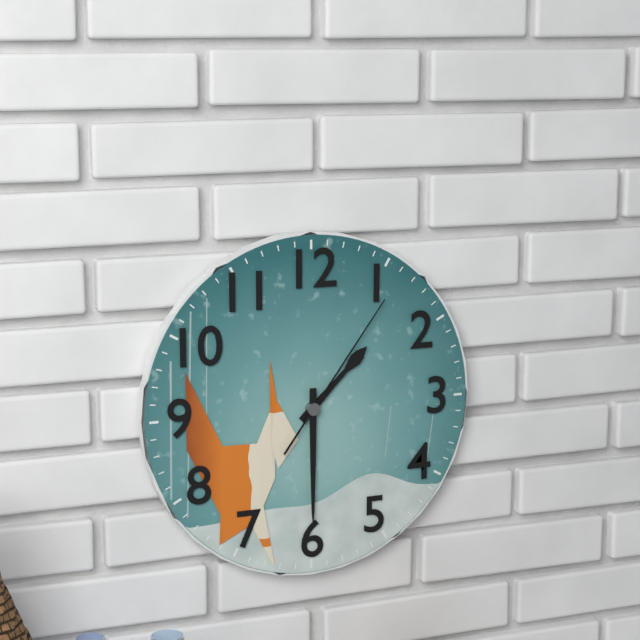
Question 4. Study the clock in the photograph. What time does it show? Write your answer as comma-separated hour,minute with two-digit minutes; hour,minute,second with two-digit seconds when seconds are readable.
1,30,06
